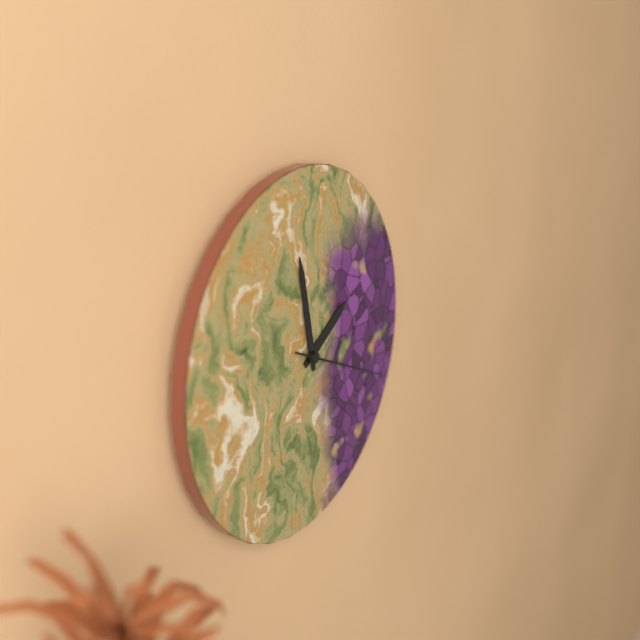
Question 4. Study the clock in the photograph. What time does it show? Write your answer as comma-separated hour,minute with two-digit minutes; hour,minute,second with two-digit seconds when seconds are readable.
1,58,19
